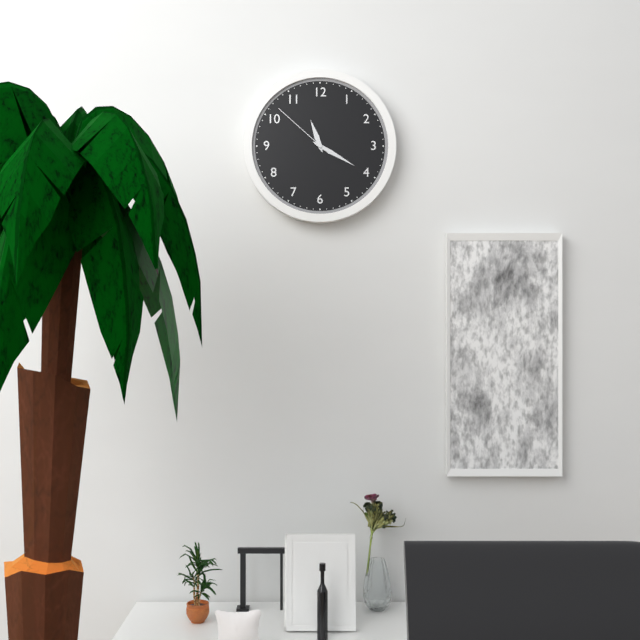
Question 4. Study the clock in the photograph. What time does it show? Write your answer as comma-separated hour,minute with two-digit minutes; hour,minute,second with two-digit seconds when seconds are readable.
11,20,52
